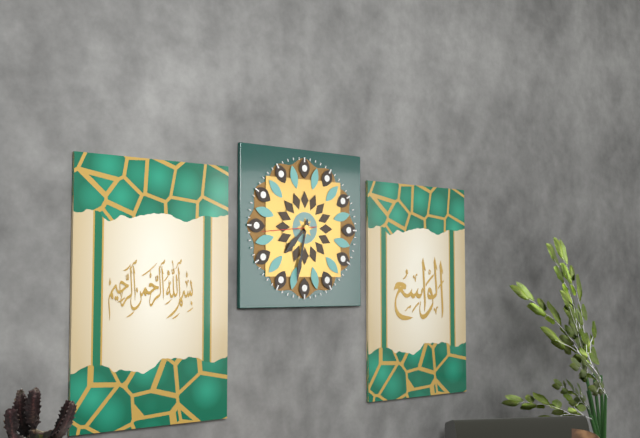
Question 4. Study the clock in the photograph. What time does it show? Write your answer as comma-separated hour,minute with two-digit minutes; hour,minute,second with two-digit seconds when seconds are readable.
7,32,44
